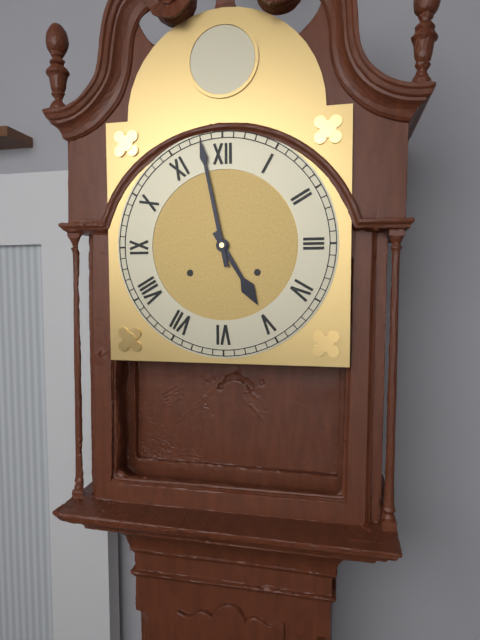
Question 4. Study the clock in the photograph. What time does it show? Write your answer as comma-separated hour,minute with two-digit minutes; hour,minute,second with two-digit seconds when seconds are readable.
4,58
